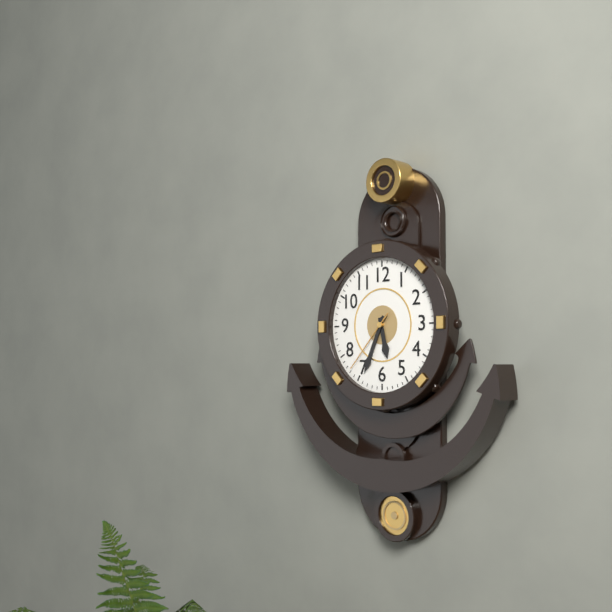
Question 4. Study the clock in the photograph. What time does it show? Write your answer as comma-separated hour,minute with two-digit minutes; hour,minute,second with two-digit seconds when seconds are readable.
5,34,37
